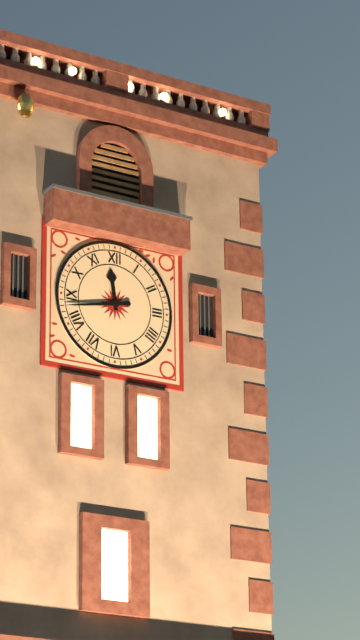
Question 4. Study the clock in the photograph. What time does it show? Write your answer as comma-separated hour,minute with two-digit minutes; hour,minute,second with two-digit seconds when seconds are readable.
11,43
